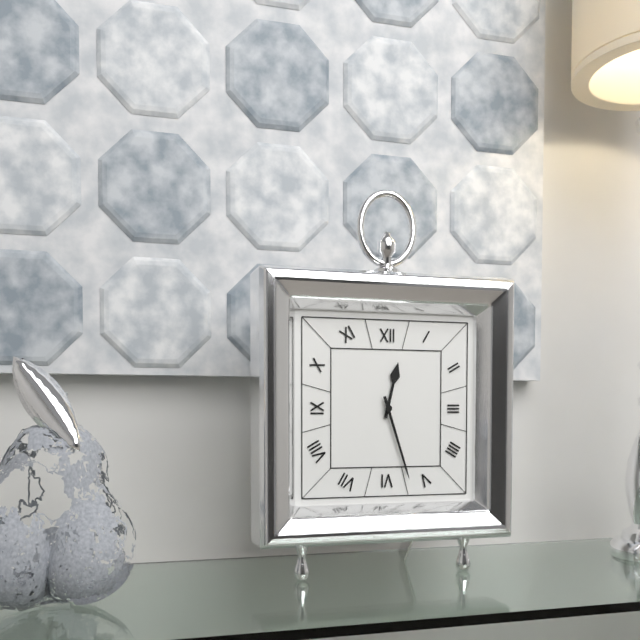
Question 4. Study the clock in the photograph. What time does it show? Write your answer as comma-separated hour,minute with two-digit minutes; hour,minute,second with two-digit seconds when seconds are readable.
12,27
